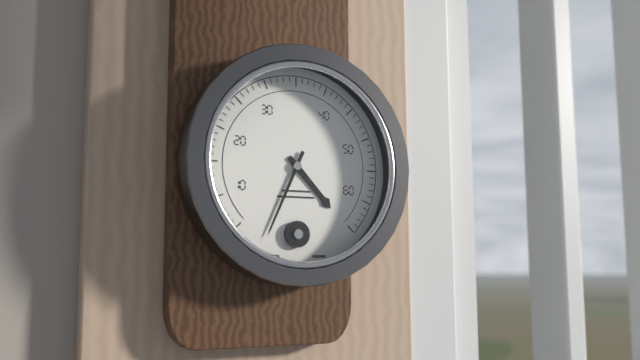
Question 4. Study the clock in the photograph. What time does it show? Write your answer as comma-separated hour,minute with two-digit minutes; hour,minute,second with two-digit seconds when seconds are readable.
4,34
